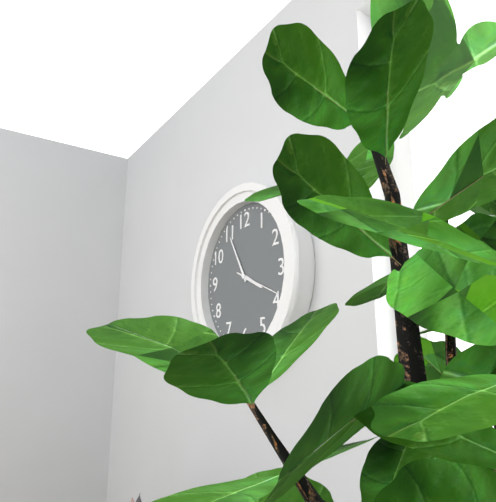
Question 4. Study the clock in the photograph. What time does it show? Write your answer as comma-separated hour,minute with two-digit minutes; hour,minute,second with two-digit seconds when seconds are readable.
3,55
